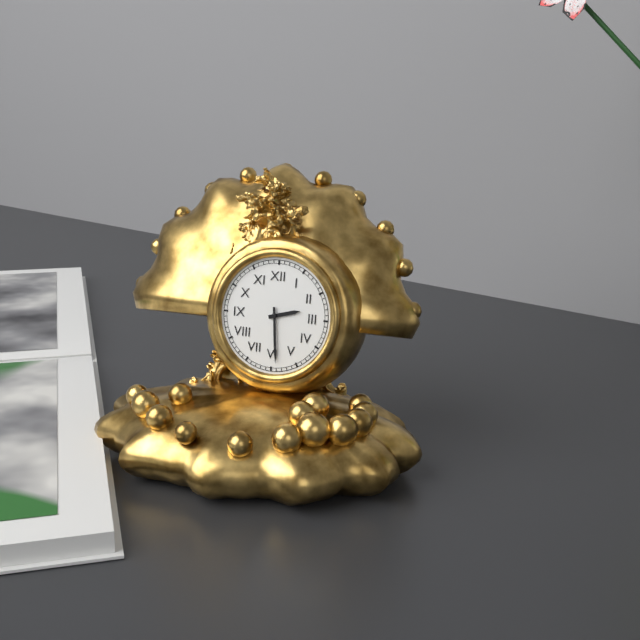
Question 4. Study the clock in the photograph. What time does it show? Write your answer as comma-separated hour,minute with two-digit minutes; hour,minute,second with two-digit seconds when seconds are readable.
2,29
